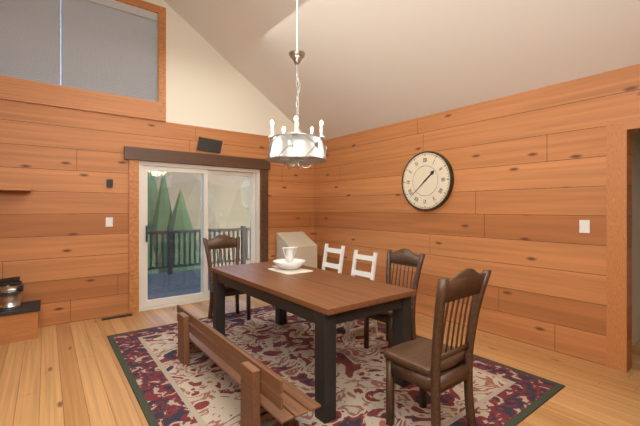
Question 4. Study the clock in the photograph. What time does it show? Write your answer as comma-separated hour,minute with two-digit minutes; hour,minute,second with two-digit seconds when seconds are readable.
1,38
